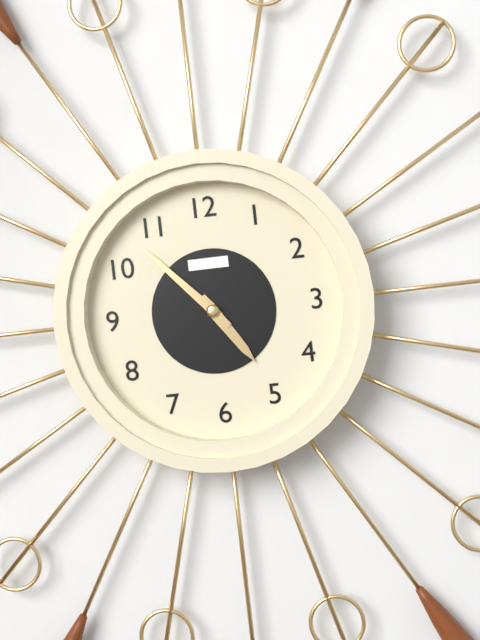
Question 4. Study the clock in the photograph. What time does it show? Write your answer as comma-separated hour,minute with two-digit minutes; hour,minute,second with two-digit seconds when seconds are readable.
4,53
